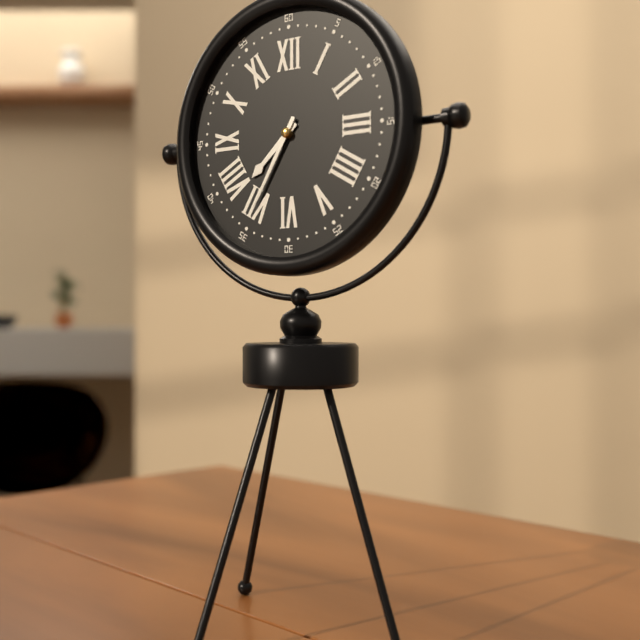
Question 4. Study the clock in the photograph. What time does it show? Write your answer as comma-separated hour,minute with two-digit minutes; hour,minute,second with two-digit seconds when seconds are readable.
7,35
